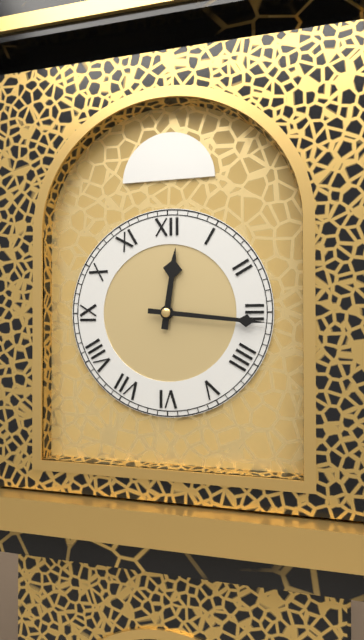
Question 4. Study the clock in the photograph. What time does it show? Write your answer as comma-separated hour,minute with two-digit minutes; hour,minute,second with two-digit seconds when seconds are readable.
12,16
